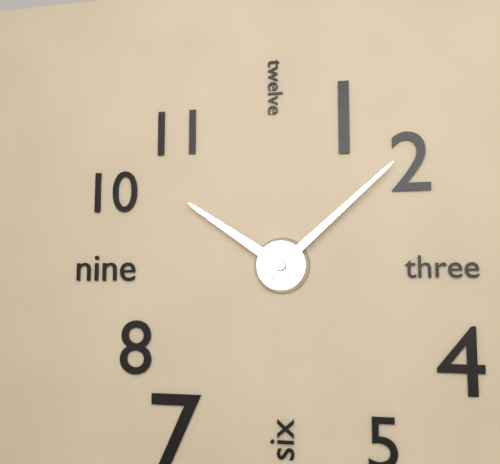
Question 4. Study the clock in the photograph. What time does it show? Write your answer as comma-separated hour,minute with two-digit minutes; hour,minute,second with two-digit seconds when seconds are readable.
10,08
